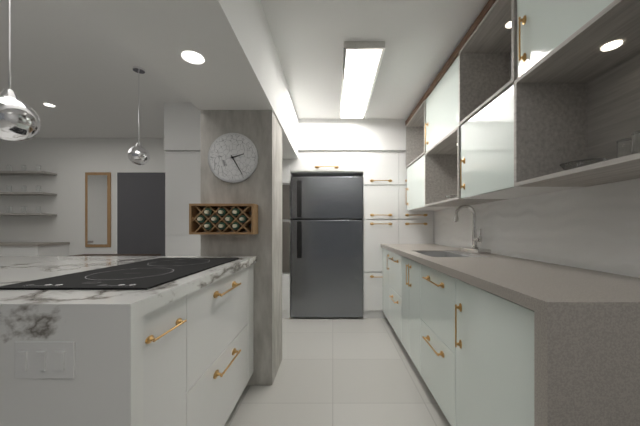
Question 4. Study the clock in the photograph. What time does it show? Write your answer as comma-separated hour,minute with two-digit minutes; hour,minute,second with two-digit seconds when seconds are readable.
2,25
